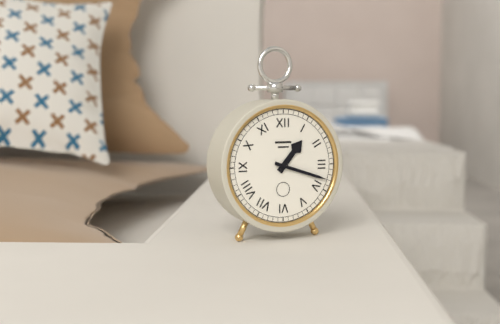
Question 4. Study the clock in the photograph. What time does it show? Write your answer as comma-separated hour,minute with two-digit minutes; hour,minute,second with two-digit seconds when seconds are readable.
1,18
